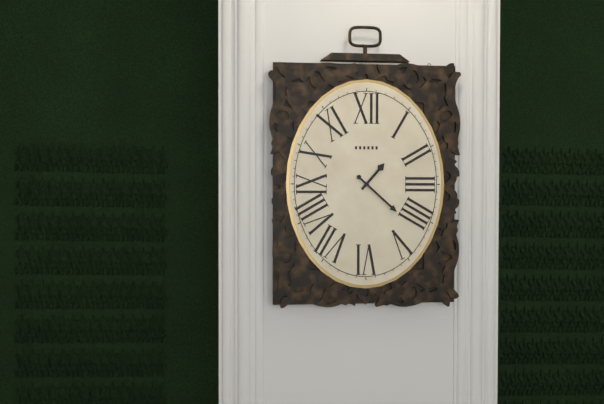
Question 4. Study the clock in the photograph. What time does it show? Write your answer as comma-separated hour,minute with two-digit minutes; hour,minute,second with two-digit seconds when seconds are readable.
1,22
